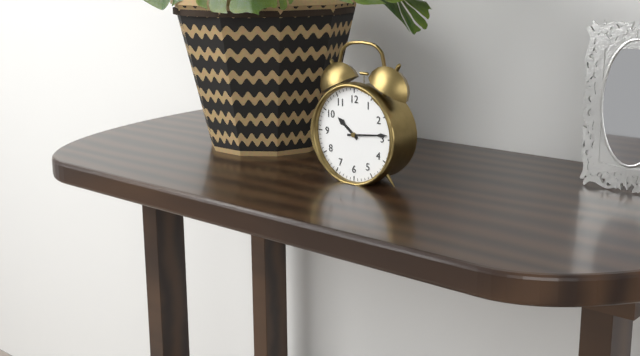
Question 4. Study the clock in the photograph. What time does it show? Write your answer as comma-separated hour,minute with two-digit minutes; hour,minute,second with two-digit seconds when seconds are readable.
10,14
